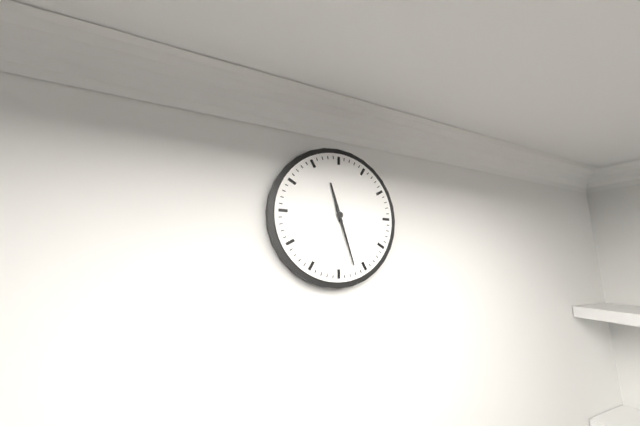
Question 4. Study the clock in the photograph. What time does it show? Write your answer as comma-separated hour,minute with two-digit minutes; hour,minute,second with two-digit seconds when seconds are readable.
11,27
